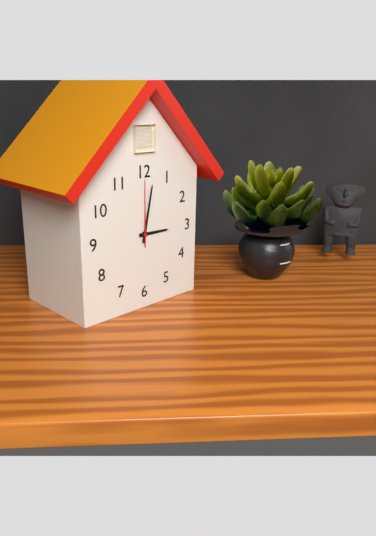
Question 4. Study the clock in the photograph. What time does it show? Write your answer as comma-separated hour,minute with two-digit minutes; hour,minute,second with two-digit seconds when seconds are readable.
3,02,00
